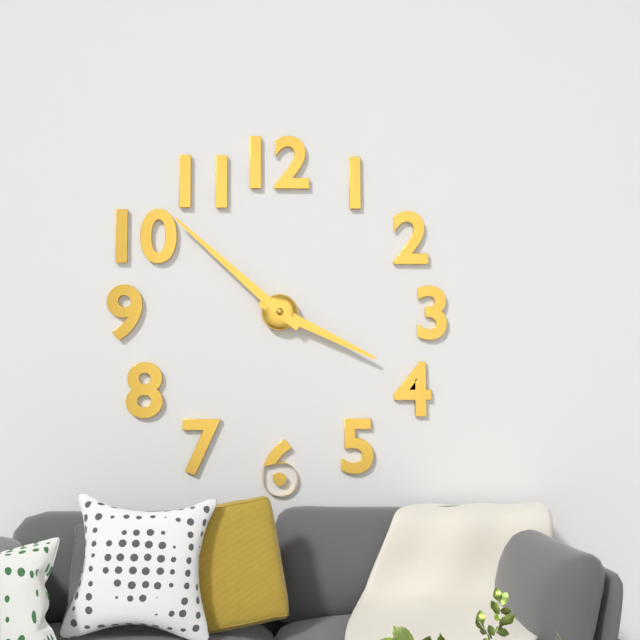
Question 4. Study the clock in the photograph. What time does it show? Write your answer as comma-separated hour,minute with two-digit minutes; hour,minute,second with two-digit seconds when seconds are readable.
3,52
